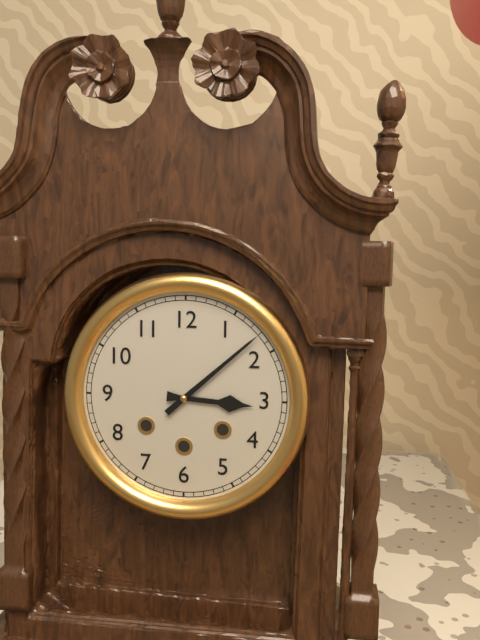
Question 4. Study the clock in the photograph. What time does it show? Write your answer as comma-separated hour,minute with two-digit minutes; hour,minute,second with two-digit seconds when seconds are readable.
3,08
